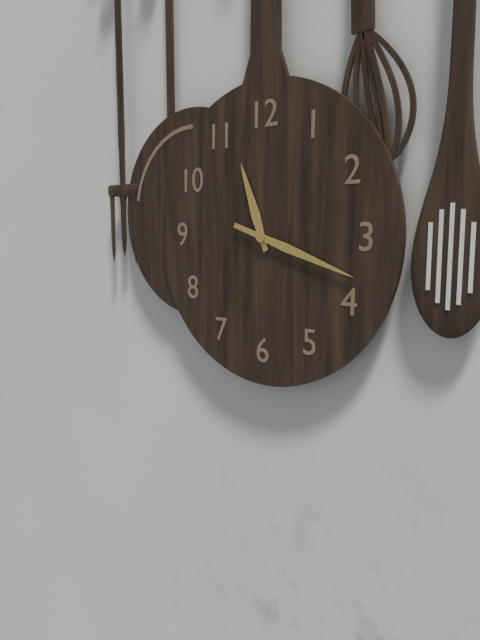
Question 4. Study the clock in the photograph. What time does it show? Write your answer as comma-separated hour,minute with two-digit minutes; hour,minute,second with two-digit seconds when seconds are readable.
11,18
